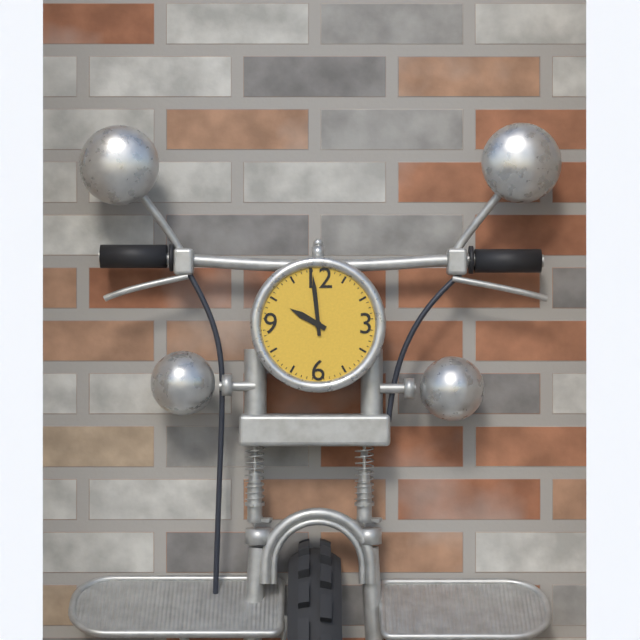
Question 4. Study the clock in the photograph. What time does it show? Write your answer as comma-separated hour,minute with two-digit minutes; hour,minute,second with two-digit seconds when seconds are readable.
9,59
